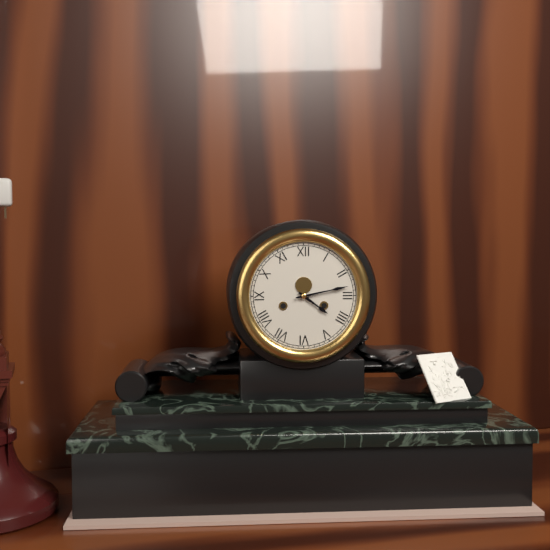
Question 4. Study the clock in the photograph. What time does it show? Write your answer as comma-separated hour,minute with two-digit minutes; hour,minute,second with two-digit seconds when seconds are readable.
4,13
